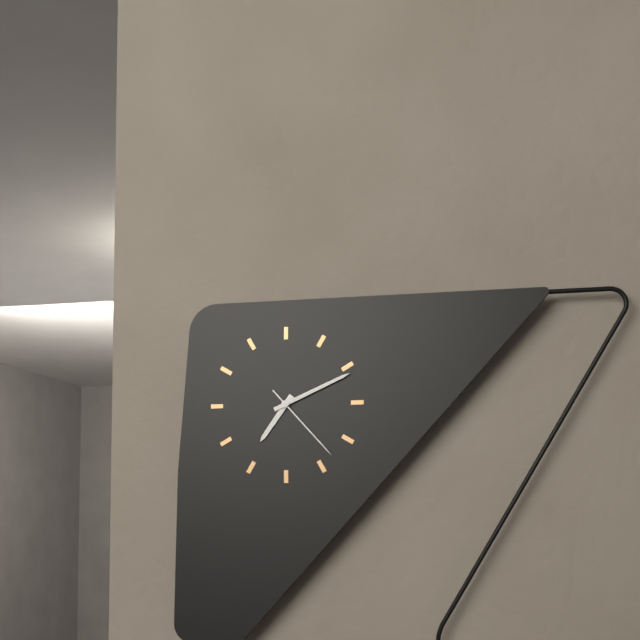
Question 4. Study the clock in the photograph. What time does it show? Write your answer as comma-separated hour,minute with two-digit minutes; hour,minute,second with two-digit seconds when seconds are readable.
7,11,23
